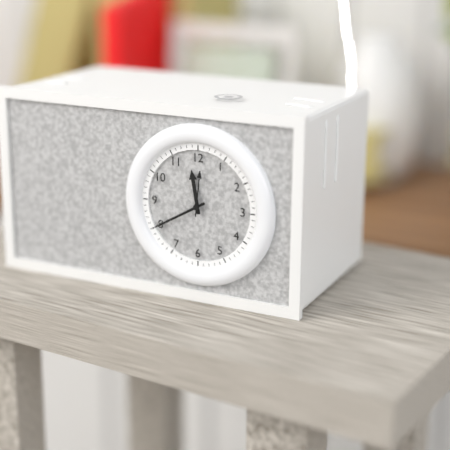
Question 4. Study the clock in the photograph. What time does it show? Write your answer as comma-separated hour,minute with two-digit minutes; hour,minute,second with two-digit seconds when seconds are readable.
11,40
